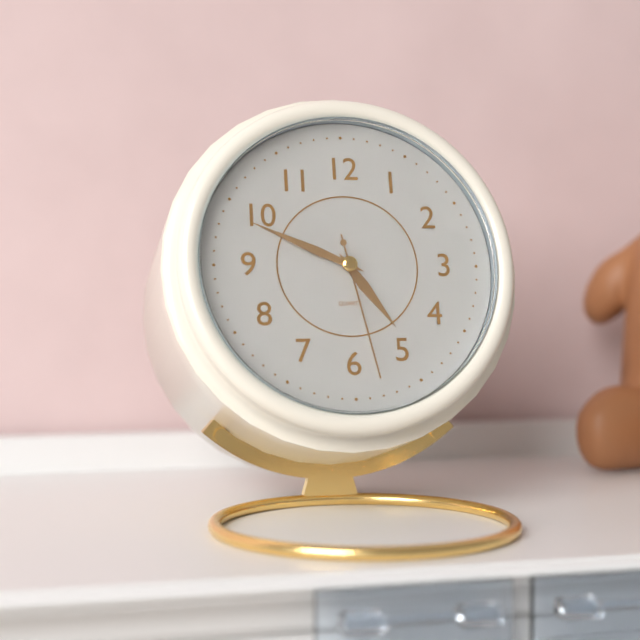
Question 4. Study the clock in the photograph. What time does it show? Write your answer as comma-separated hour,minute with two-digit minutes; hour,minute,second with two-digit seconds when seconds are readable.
4,49,28
